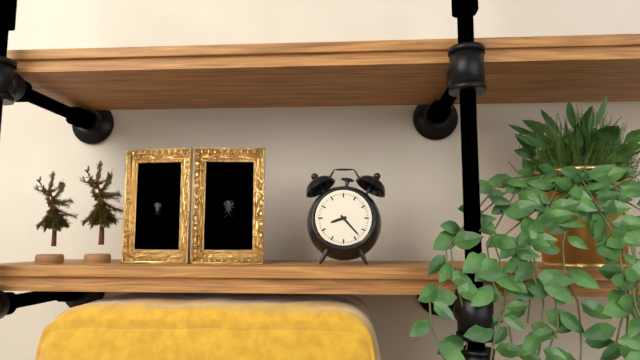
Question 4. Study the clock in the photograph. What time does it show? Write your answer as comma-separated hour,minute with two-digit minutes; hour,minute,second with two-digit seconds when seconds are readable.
8,23
